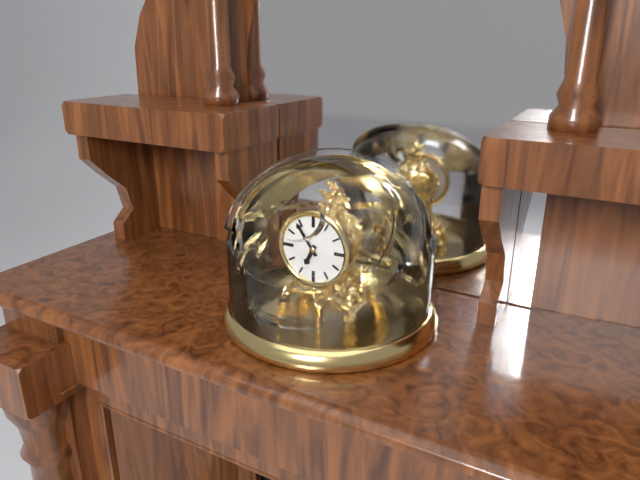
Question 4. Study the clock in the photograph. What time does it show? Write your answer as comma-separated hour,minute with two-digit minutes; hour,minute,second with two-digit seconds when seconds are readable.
6,54
